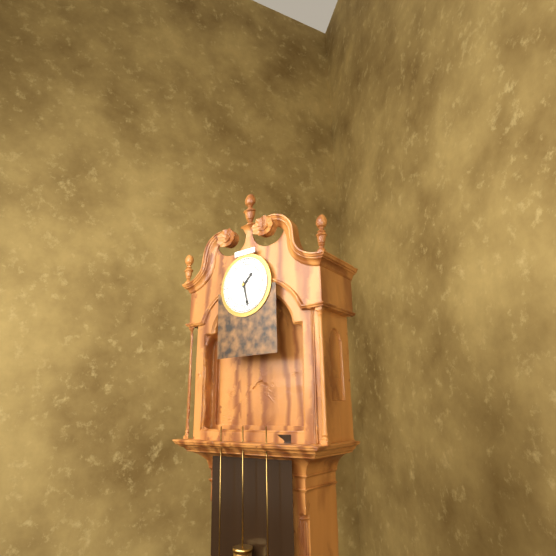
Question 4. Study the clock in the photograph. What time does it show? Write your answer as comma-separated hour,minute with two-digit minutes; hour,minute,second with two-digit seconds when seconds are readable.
1,28
